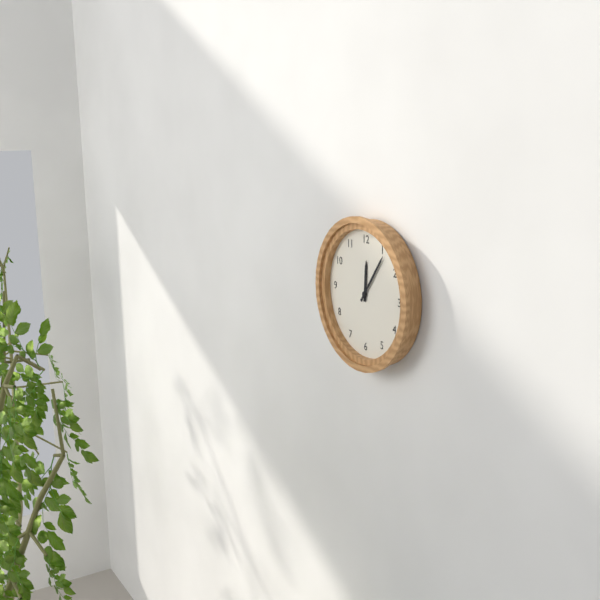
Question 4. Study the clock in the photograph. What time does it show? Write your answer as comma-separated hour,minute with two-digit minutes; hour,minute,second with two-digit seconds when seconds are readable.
12,06
